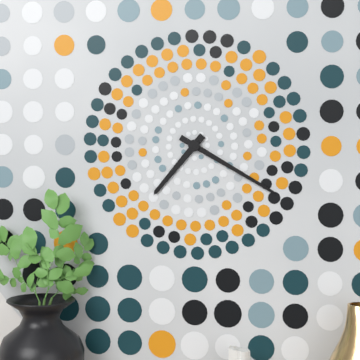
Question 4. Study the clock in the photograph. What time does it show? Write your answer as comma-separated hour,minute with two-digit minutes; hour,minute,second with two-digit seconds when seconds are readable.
7,20
